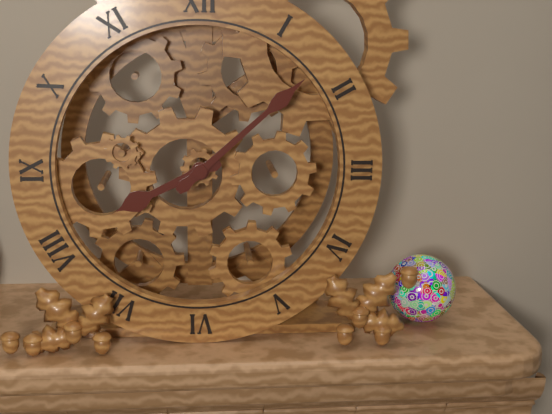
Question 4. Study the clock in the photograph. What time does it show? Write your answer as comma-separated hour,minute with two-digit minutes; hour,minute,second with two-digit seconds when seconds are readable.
8,08
